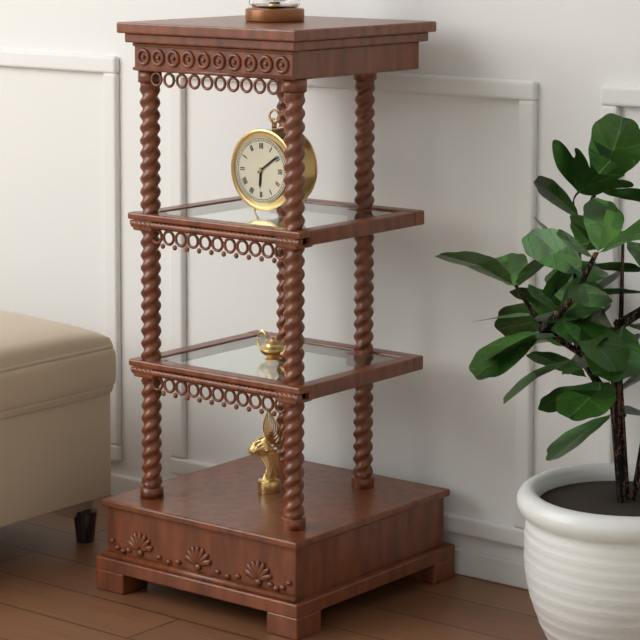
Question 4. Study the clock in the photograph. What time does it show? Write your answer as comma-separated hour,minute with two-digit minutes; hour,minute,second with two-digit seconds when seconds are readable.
6,09
